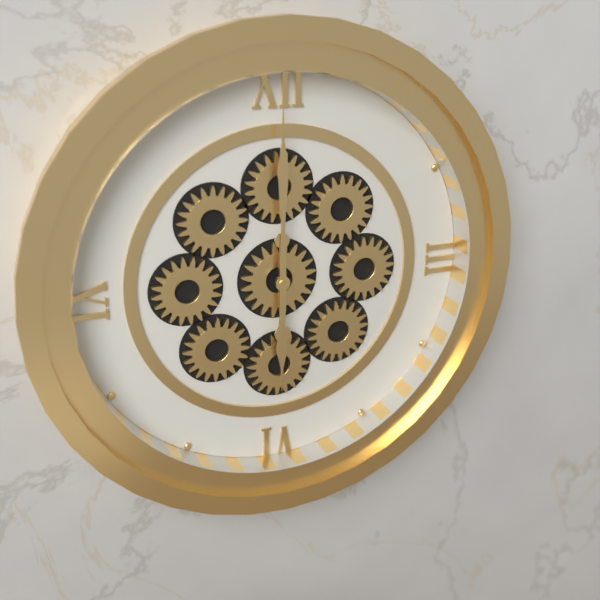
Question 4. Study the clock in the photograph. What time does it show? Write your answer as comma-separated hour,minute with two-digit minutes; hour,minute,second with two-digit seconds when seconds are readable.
6,00
